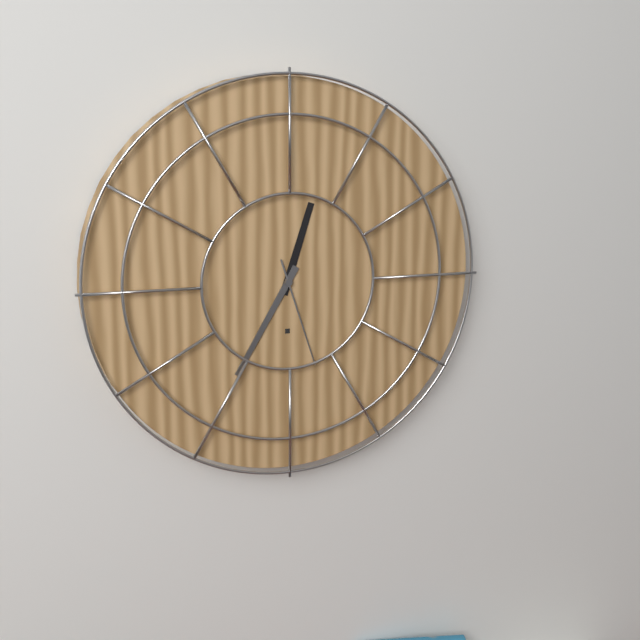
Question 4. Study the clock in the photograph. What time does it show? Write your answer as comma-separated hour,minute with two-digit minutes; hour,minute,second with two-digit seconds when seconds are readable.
12,35,27
